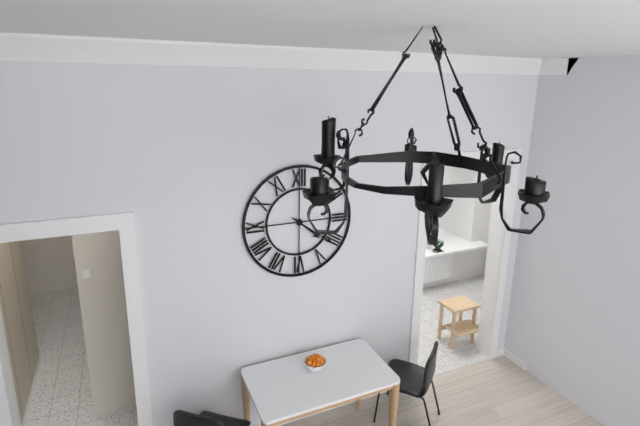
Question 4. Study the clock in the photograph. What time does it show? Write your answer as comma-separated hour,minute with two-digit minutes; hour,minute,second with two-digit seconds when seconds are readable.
4,21
